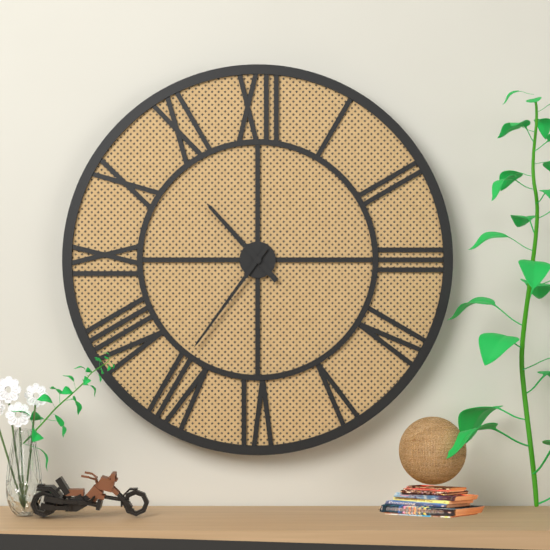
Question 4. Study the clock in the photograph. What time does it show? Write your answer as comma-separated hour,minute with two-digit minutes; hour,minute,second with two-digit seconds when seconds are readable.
10,36
